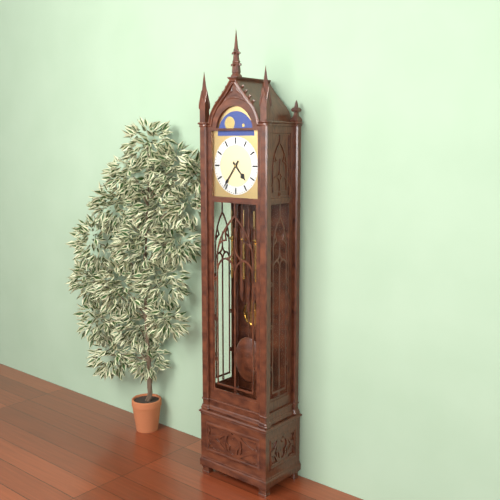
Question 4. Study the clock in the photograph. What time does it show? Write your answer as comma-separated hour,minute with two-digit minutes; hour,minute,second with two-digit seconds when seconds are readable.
4,36
